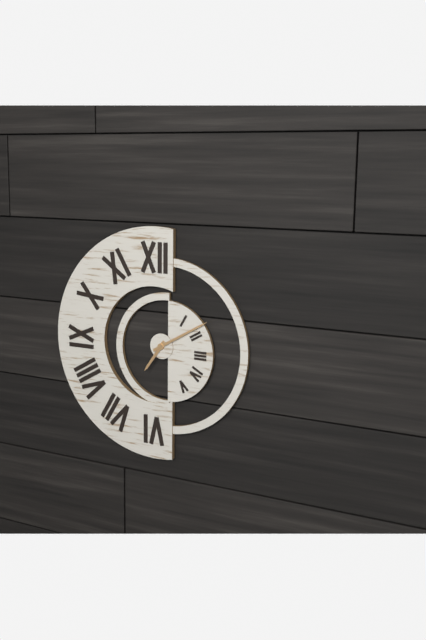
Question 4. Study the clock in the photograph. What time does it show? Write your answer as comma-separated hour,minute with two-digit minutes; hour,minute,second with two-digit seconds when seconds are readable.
7,10
